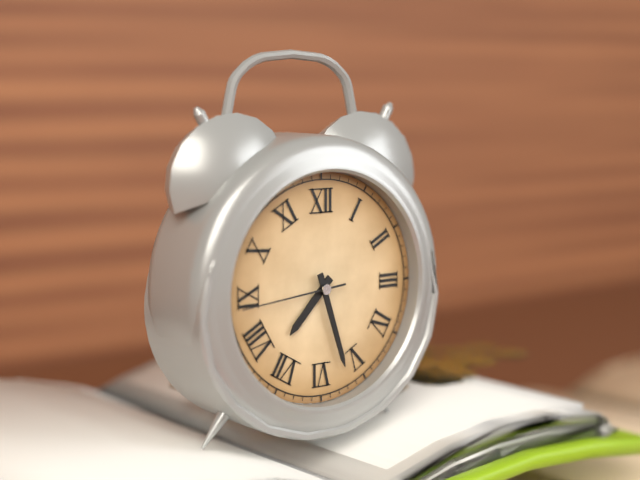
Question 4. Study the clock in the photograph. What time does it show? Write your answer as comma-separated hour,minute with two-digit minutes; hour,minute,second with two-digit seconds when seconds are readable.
7,27,44
